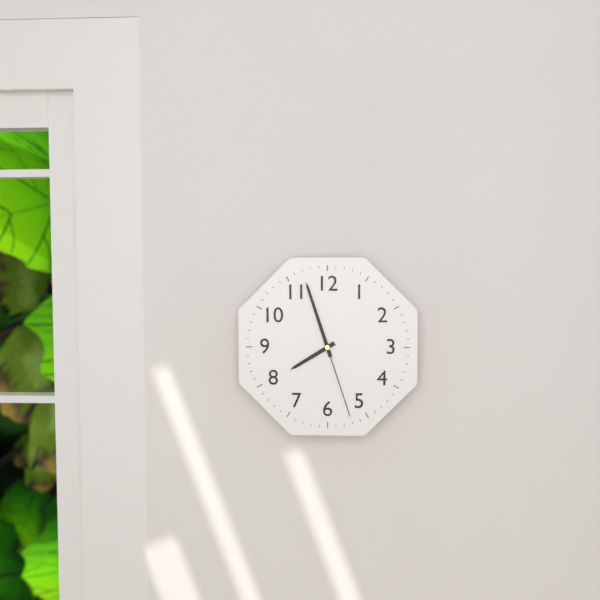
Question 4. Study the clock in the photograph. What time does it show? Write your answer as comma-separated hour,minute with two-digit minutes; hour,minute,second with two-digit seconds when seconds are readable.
7,57,27
